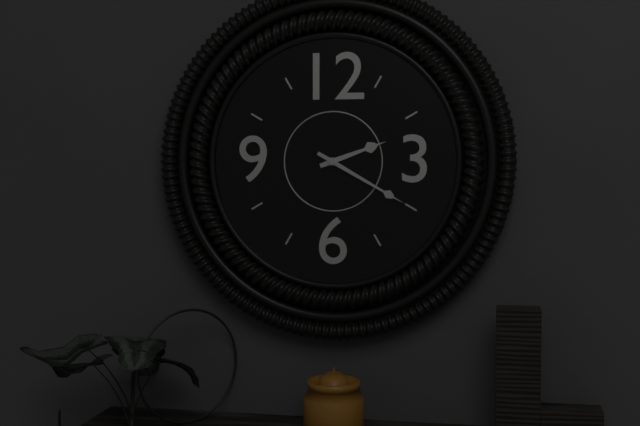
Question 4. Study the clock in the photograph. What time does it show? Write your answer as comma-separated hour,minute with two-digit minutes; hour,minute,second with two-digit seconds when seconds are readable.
2,20
